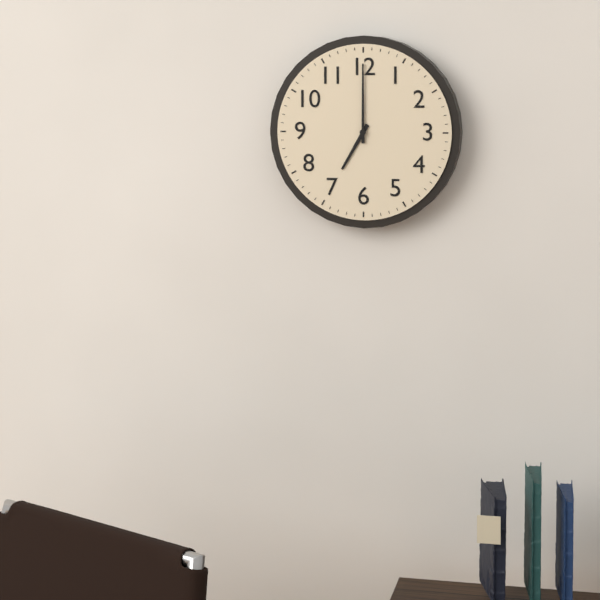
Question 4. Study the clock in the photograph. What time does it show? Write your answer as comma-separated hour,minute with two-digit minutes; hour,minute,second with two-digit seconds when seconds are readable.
7,00
